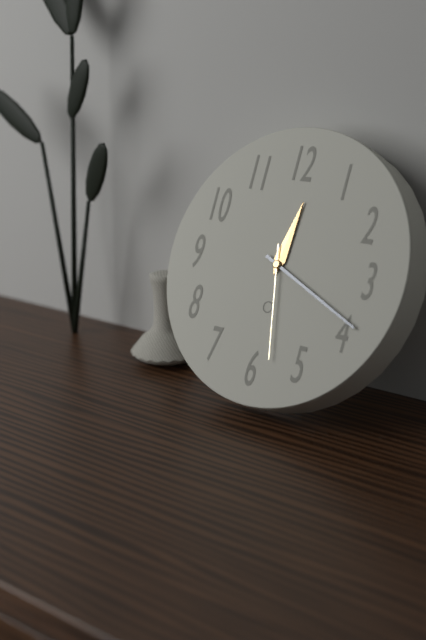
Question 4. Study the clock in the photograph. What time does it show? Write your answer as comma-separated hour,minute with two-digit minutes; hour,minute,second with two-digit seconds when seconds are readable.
12,19,28
